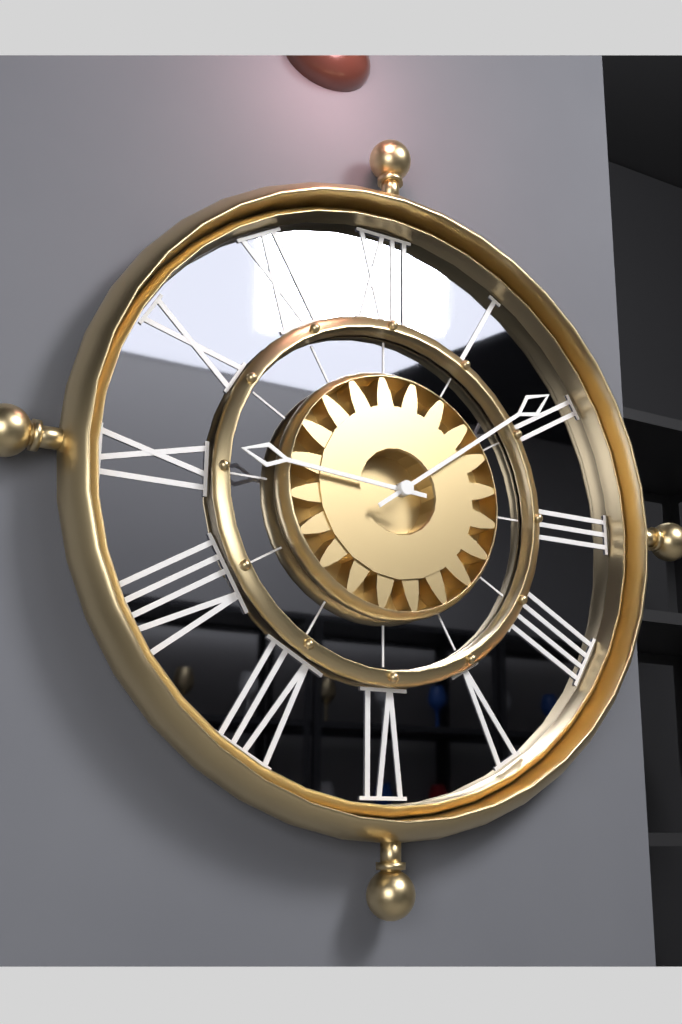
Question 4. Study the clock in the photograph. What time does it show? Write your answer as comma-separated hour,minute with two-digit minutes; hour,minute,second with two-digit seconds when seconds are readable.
9,09
